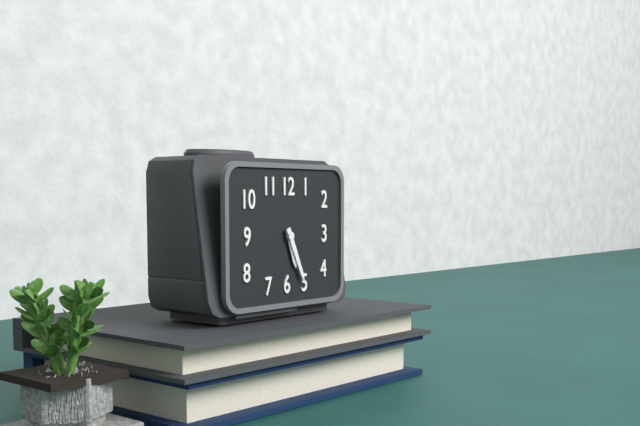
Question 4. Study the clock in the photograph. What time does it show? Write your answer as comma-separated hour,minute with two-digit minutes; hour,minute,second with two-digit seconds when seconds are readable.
5,26
